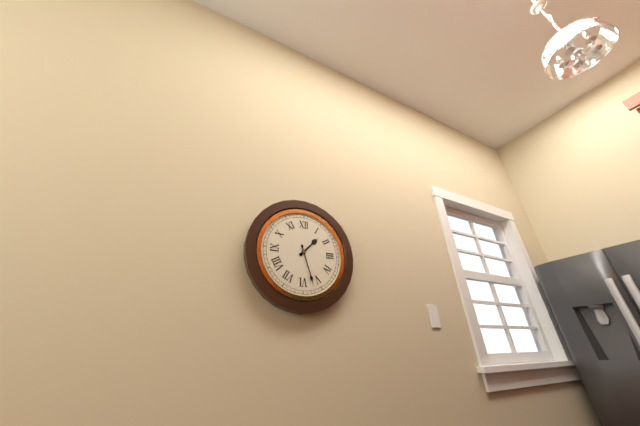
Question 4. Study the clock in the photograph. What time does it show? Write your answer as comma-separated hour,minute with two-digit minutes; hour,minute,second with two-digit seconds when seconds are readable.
1,27
